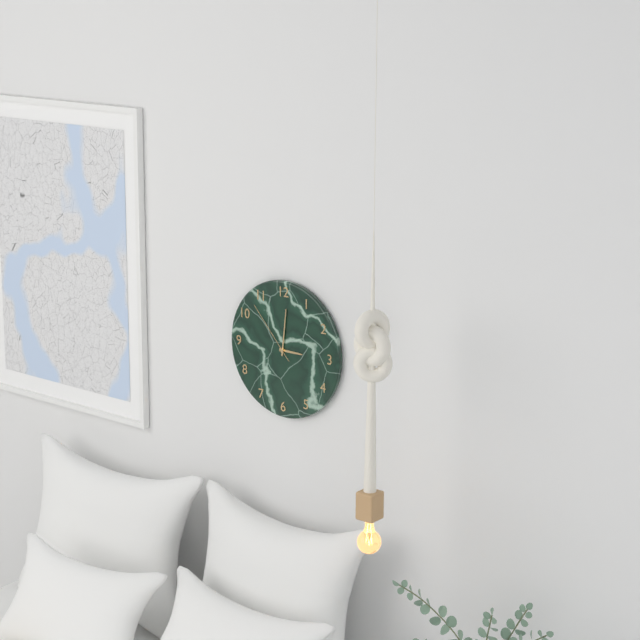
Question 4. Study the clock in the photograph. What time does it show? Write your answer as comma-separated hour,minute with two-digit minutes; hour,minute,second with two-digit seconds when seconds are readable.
3,01,53
